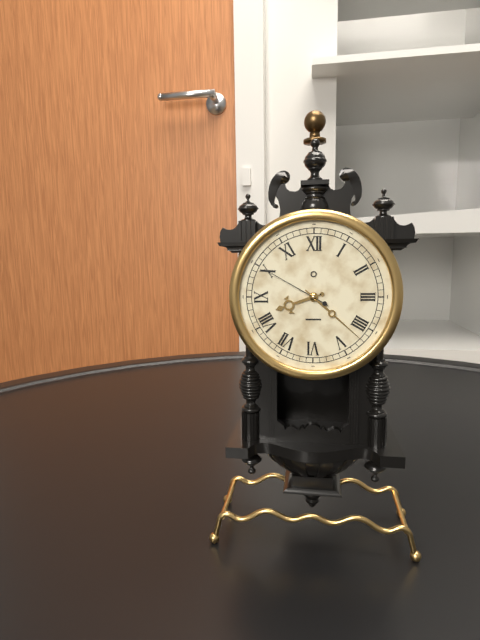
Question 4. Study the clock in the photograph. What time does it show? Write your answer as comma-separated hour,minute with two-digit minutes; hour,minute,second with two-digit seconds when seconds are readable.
8,22,50
